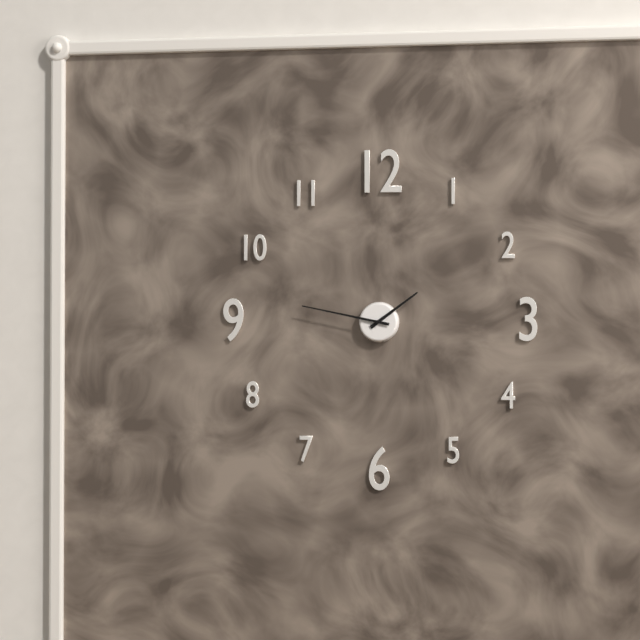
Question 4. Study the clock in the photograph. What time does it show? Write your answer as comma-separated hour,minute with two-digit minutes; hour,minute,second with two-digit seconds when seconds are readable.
1,47
